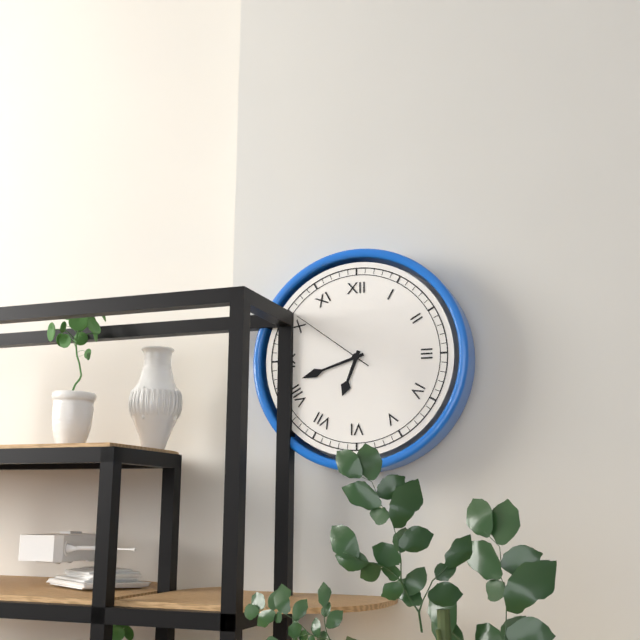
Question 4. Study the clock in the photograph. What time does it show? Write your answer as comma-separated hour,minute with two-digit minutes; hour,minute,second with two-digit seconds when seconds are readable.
6,42,51
